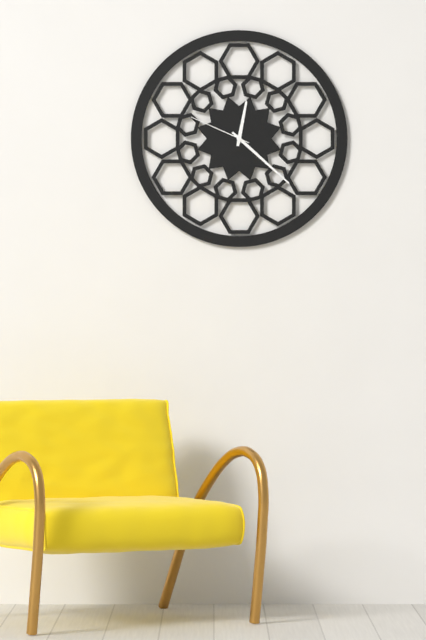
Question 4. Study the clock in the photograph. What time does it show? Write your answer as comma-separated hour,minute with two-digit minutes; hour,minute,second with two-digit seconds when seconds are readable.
12,22,49
